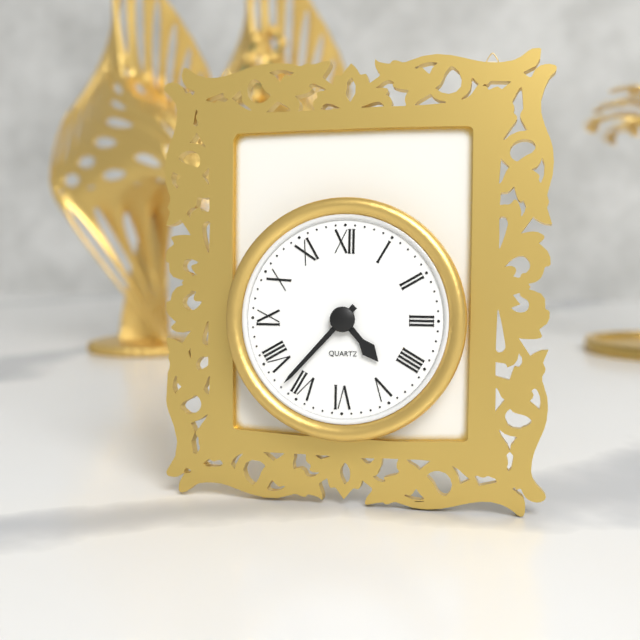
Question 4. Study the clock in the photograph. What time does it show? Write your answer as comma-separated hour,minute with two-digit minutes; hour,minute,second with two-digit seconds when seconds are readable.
4,37
